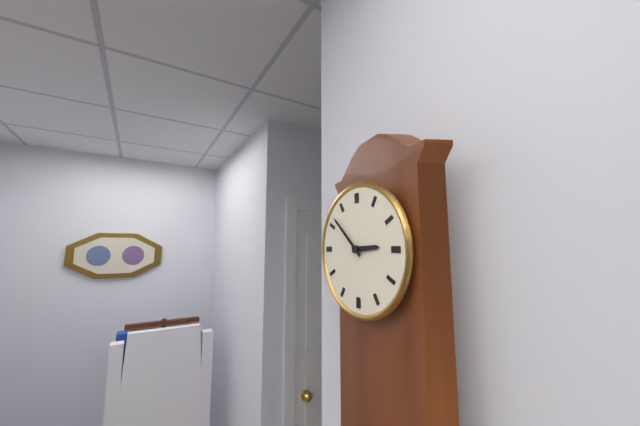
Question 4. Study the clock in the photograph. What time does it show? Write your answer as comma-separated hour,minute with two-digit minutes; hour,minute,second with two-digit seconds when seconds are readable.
2,52
